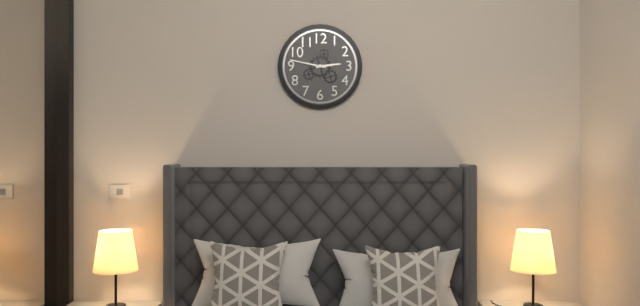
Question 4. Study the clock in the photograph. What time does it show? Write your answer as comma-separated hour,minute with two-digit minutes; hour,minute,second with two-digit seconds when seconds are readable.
2,47
